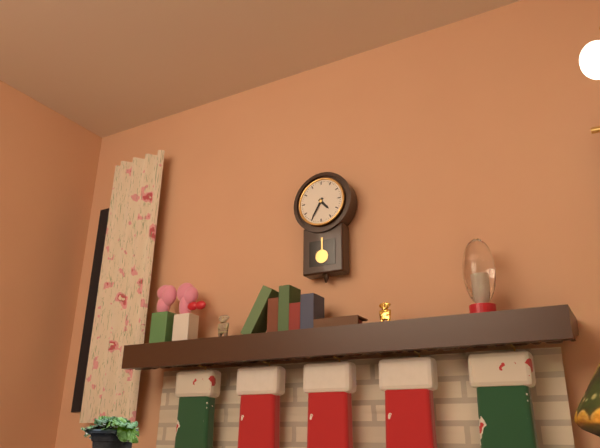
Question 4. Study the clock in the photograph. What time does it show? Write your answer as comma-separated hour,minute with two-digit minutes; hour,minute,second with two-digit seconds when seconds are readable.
4,35
